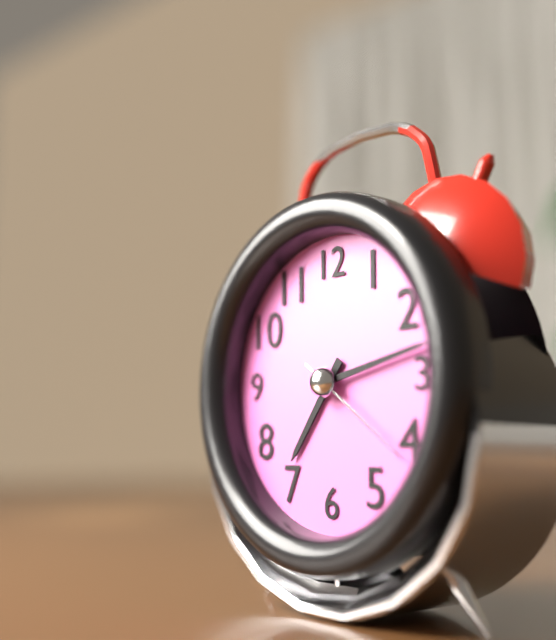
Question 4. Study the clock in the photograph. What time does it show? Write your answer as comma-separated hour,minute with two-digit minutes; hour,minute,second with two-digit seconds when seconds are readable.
7,13,21
